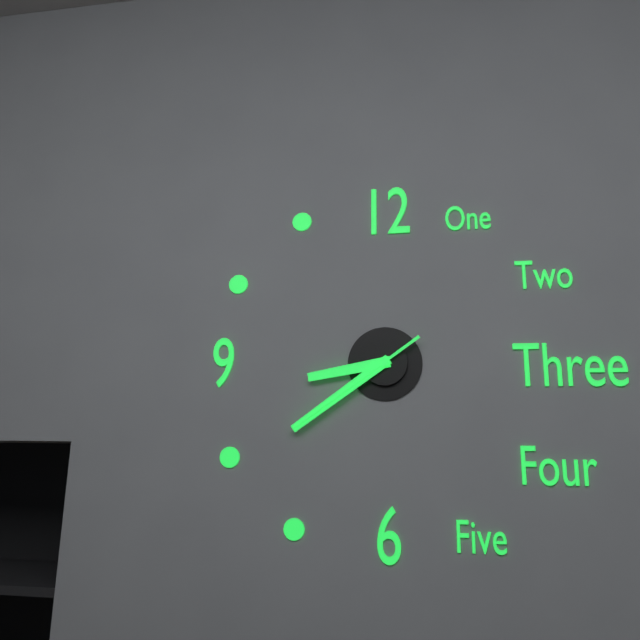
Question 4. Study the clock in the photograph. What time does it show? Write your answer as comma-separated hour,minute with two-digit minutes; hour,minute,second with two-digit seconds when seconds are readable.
8,39,39
